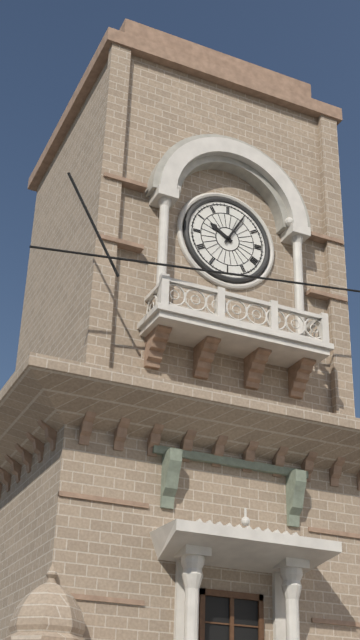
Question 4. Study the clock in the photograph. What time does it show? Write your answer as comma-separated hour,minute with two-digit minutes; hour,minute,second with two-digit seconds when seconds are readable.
10,05
